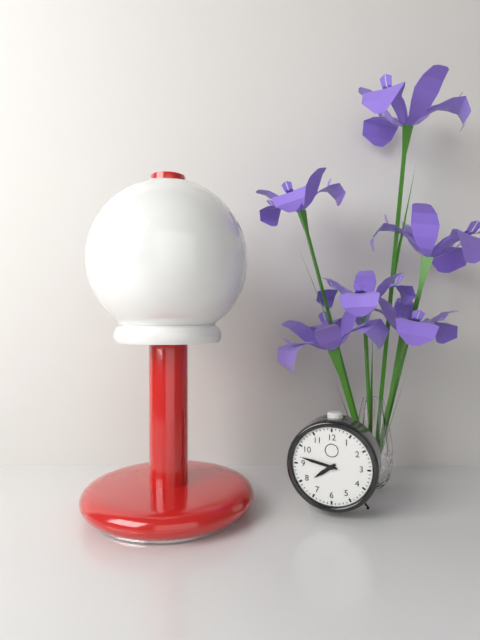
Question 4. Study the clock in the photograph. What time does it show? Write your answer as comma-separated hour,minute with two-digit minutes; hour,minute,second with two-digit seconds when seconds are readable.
7,47
